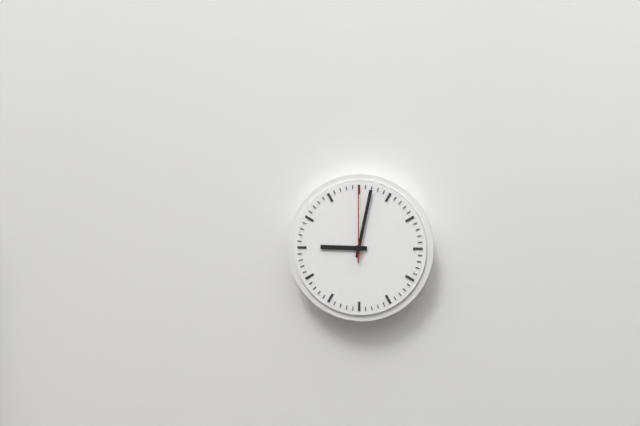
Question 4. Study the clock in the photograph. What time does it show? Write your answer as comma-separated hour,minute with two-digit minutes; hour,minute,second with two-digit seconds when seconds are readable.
9,02,00
